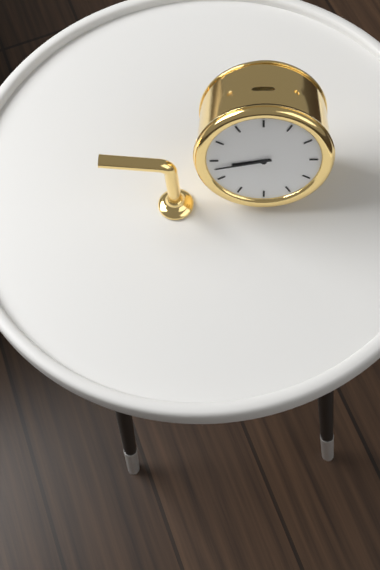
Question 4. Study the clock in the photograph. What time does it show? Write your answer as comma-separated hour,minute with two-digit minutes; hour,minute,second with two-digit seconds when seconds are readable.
8,43
